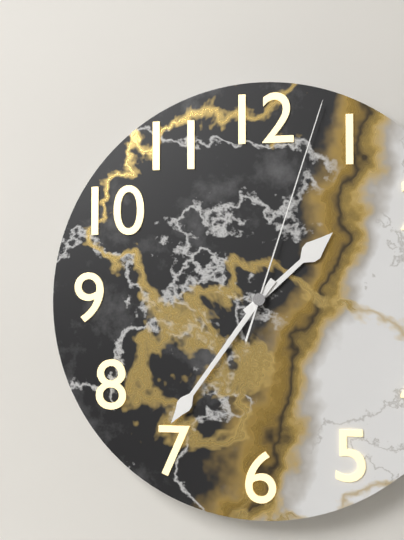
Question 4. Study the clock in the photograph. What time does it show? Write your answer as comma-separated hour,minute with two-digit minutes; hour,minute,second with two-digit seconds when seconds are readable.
1,36,03
